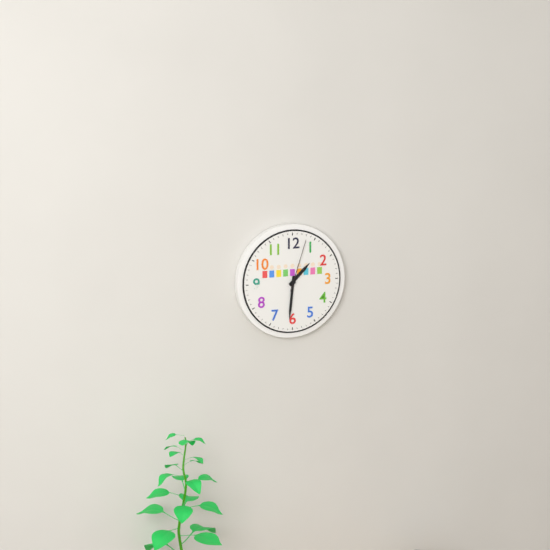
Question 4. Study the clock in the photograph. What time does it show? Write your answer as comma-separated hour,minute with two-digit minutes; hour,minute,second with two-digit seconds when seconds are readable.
1,31,03
